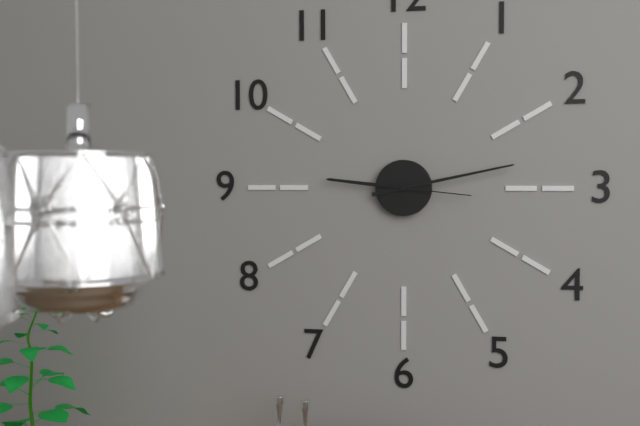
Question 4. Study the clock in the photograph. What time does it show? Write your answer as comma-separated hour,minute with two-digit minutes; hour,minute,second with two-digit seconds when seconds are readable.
9,13,16
